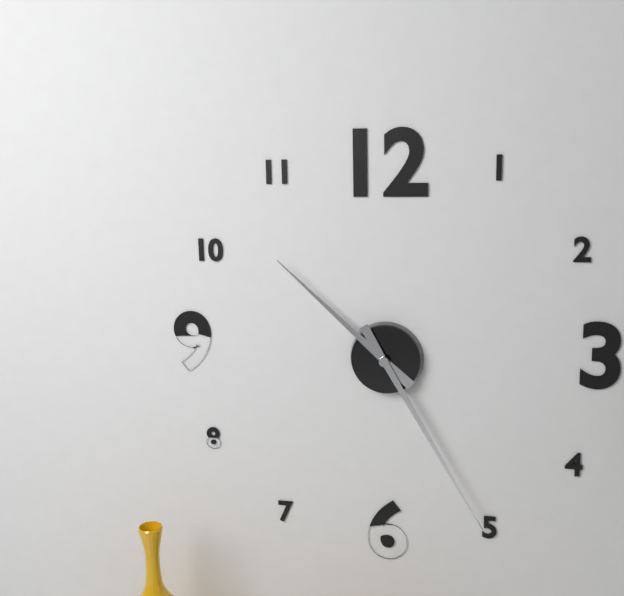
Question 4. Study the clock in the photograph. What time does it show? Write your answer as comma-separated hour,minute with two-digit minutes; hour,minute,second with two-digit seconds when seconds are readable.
10,25
